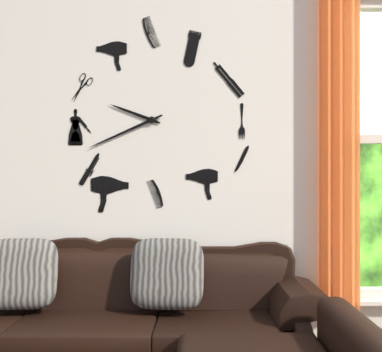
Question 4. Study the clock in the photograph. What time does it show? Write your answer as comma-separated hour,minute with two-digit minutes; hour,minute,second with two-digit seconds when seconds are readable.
9,41
